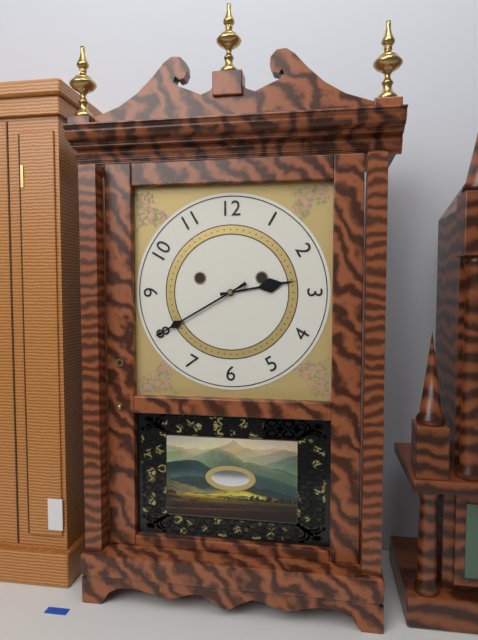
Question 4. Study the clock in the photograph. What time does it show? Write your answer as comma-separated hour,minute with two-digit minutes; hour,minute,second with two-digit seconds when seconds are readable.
2,40
